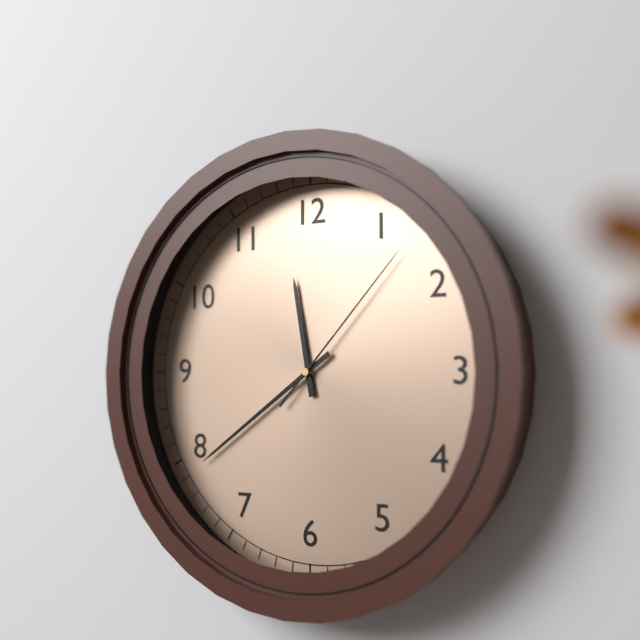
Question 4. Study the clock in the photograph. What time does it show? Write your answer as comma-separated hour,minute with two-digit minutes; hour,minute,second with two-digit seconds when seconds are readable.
11,39,07
